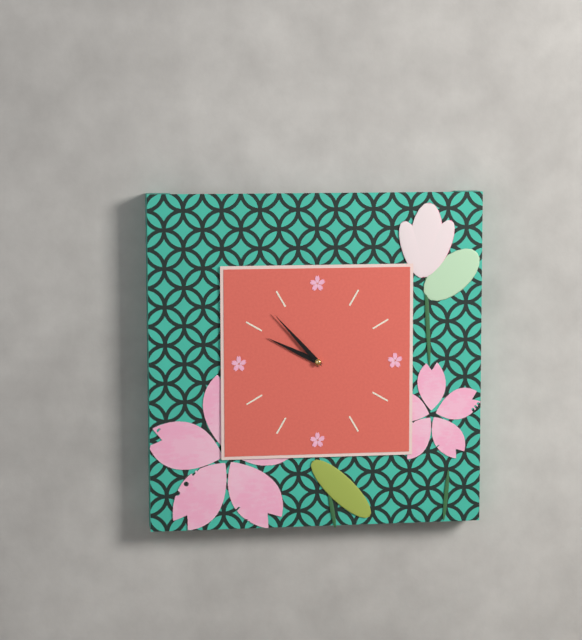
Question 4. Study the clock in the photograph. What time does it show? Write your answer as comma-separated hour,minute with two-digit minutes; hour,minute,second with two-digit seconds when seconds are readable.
9,53
